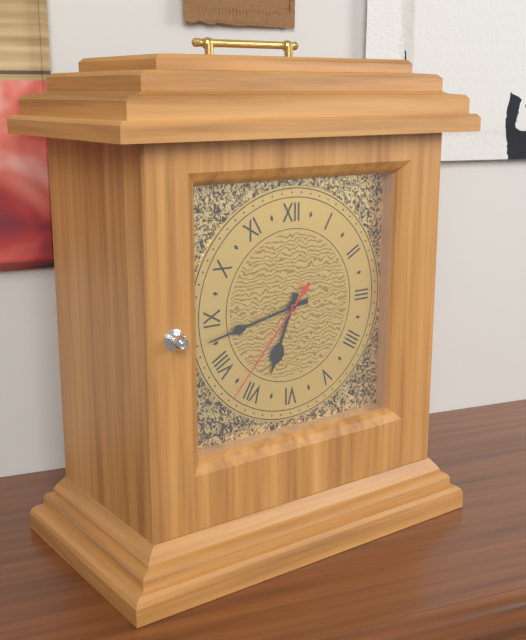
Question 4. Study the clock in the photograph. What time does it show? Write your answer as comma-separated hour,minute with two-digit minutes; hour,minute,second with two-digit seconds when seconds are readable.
6,43,37
